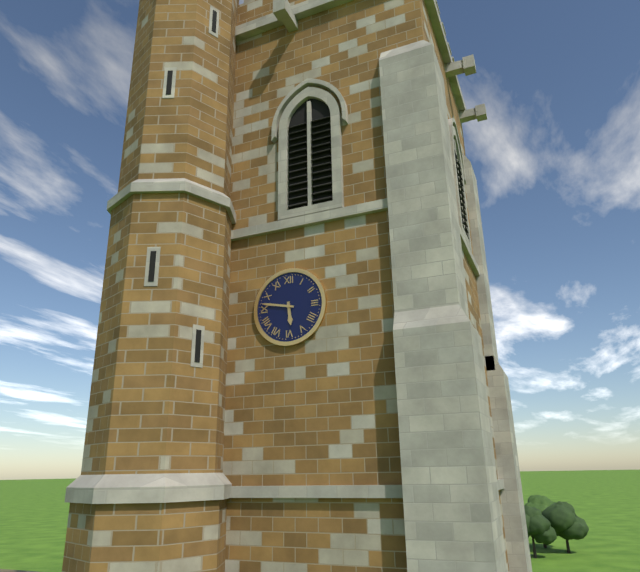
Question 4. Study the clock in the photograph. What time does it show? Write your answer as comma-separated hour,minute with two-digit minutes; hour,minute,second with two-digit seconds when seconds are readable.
5,47
